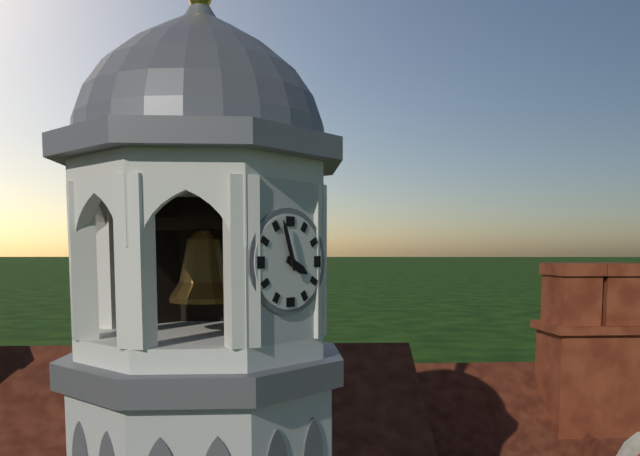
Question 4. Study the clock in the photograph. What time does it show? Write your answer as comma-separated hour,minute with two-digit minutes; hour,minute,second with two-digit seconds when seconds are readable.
3,57
